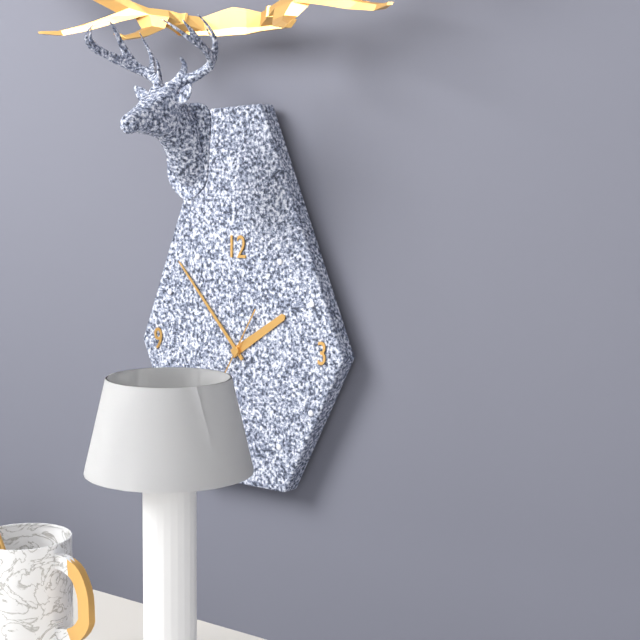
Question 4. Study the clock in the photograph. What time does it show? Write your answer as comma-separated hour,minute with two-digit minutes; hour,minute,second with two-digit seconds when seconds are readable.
1,53
